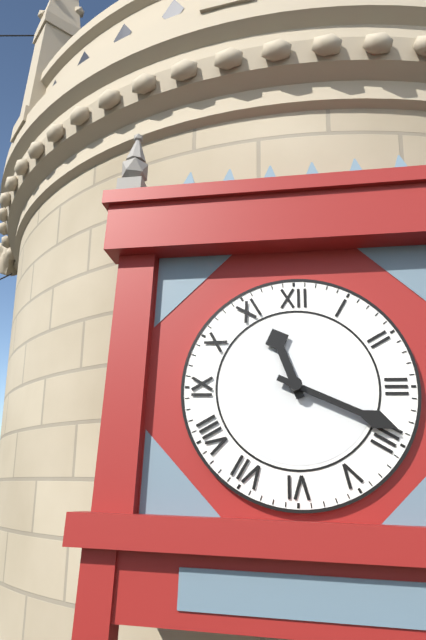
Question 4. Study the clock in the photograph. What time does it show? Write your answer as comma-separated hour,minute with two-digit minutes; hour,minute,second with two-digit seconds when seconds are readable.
11,19
